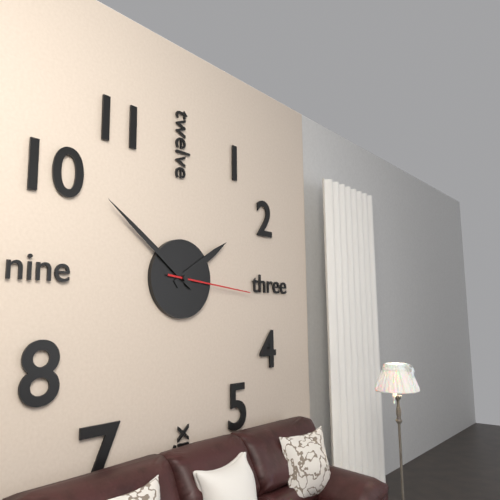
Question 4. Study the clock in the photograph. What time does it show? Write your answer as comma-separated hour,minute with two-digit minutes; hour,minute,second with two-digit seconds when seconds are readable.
1,51,16
